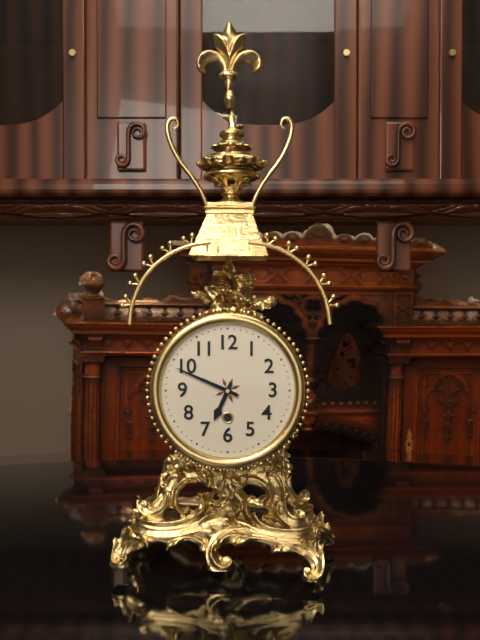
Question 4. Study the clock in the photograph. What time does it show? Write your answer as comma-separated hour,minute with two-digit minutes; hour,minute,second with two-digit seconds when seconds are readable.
6,49
